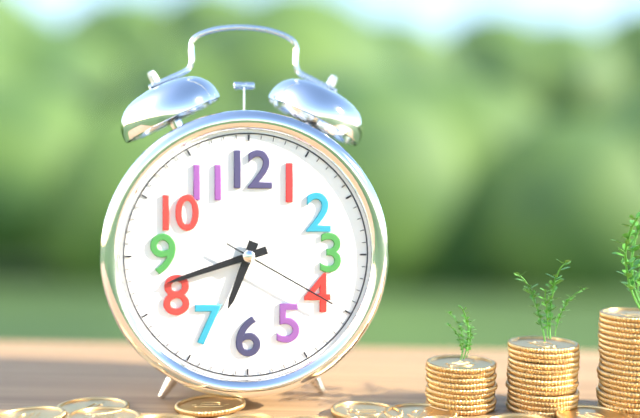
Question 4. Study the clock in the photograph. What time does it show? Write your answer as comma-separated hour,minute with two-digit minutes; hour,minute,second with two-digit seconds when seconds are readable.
6,42,20
